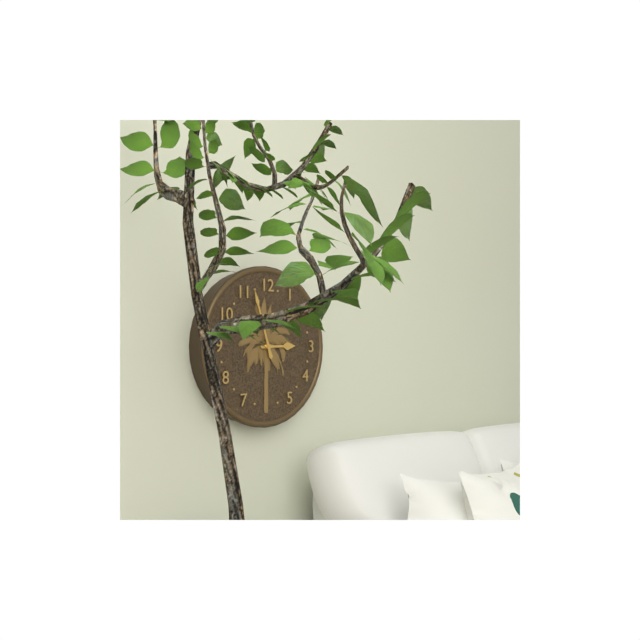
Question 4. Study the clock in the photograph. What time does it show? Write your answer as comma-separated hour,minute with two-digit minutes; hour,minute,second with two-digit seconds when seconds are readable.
2,57
